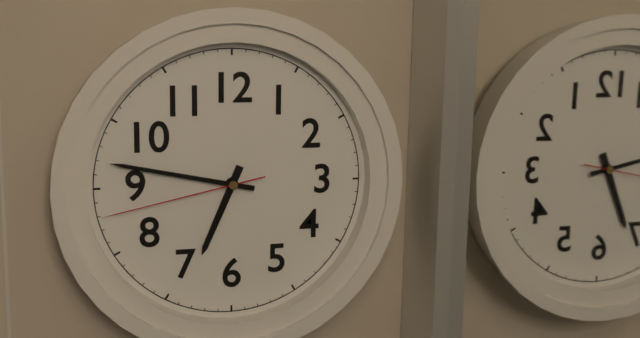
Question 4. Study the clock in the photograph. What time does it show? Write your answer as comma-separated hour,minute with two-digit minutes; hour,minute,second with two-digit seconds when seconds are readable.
6,47,43
